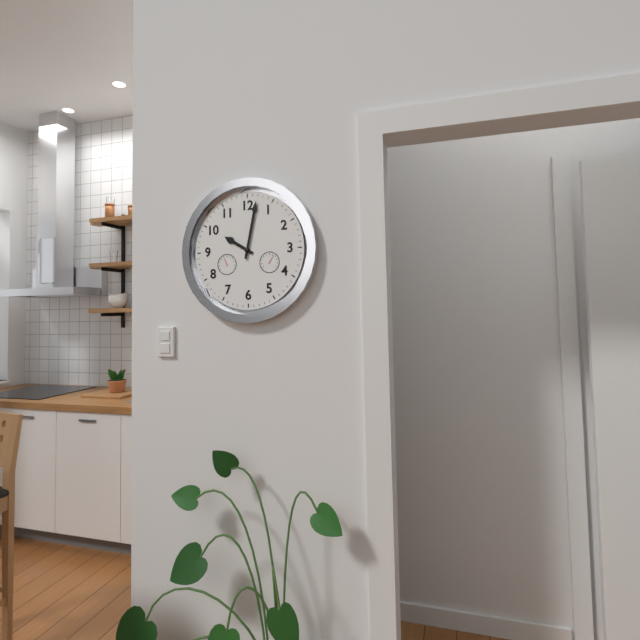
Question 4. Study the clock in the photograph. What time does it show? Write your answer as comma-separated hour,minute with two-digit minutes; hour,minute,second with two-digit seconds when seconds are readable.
10,02
